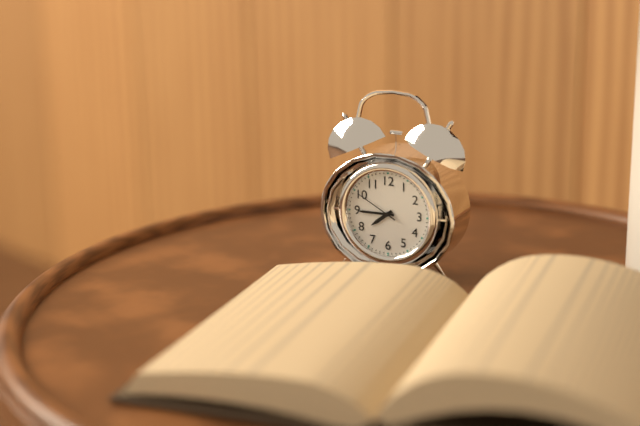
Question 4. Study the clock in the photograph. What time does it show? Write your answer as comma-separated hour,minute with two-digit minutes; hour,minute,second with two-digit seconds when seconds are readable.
7,45
